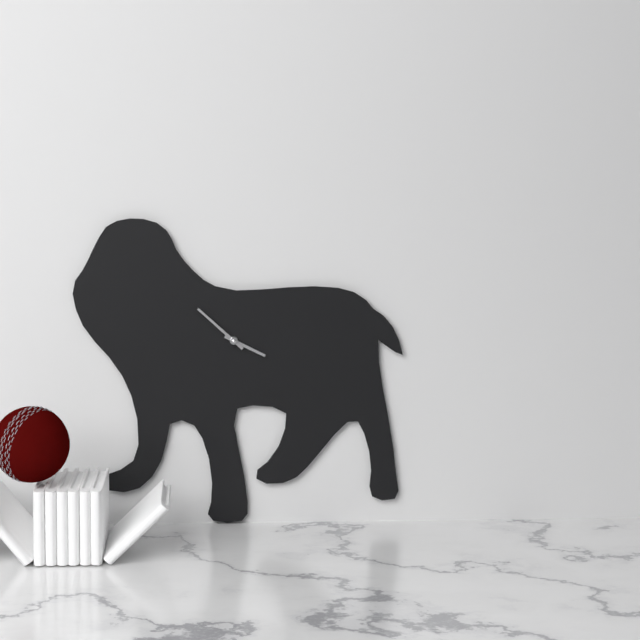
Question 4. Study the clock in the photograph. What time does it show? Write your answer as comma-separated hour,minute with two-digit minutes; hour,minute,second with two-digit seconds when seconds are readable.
3,52
